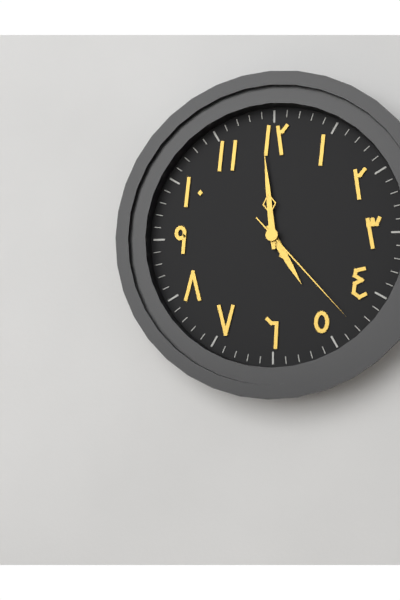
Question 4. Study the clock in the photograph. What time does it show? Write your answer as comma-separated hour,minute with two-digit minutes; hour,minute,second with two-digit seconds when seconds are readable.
4,59,23
